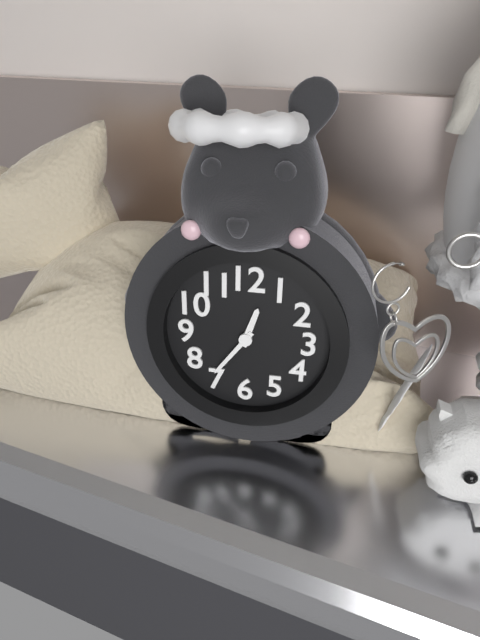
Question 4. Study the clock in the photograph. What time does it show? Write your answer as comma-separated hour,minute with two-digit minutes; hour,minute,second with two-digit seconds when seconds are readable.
12,36
